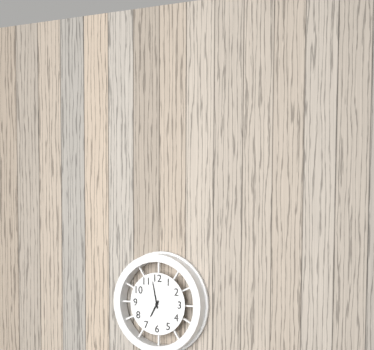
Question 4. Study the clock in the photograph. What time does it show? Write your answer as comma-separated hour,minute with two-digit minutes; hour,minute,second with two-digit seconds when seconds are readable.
6,58
